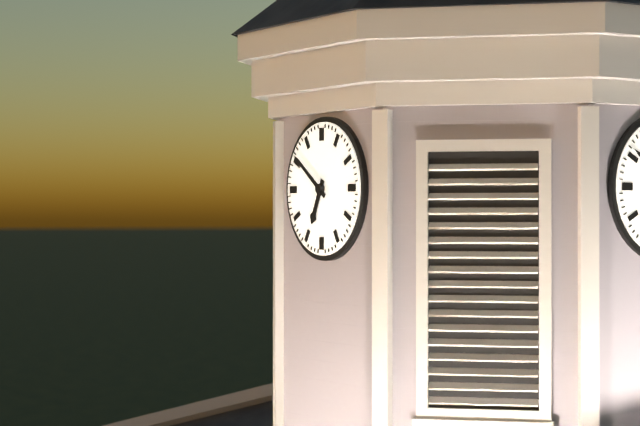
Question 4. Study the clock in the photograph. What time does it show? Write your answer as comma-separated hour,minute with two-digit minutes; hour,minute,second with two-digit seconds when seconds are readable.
6,51
